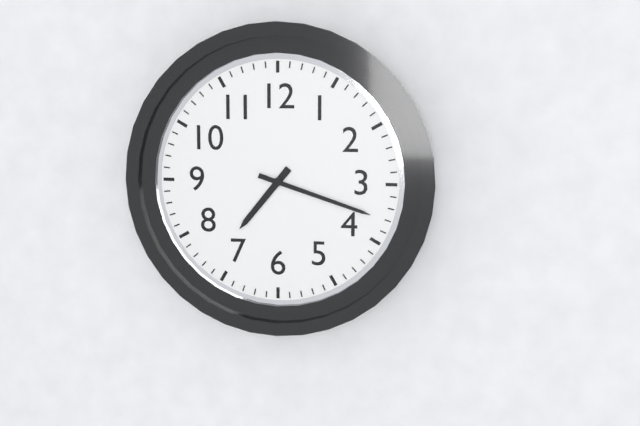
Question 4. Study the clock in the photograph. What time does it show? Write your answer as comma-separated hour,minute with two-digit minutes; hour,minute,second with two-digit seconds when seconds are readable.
7,18
